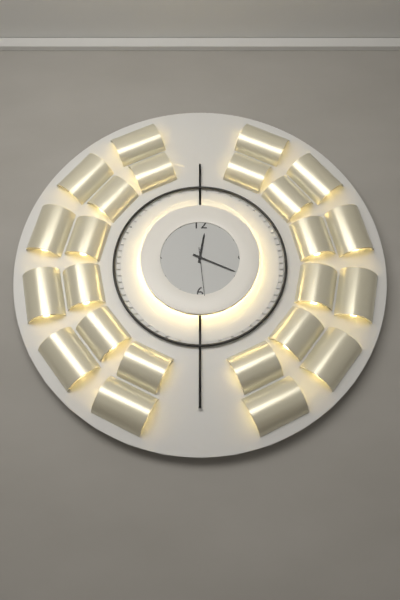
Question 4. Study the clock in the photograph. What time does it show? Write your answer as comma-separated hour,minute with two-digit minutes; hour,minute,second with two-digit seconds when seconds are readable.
12,19
